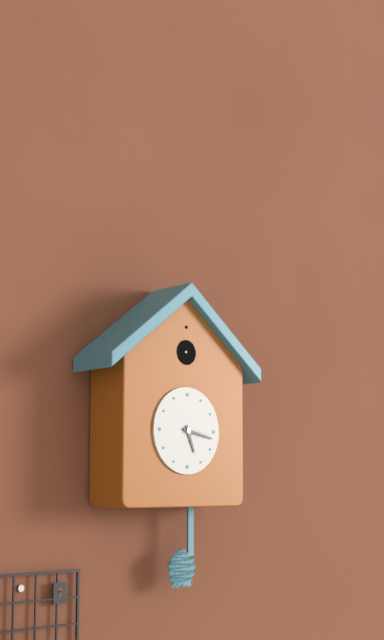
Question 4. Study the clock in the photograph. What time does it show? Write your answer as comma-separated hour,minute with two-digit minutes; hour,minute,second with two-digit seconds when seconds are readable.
5,17
